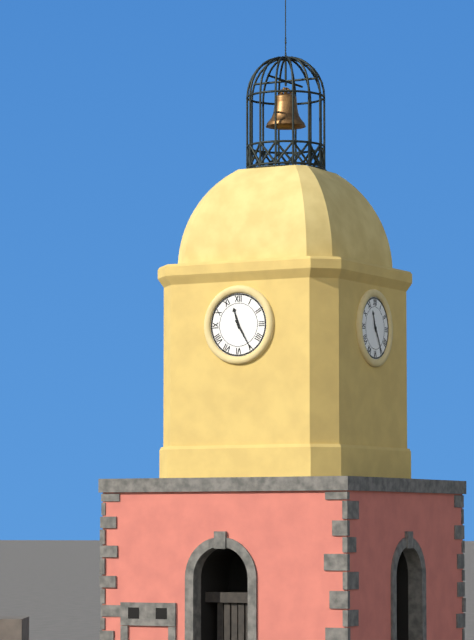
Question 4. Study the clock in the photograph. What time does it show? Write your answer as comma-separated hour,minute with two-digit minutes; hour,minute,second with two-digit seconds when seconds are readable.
11,25
